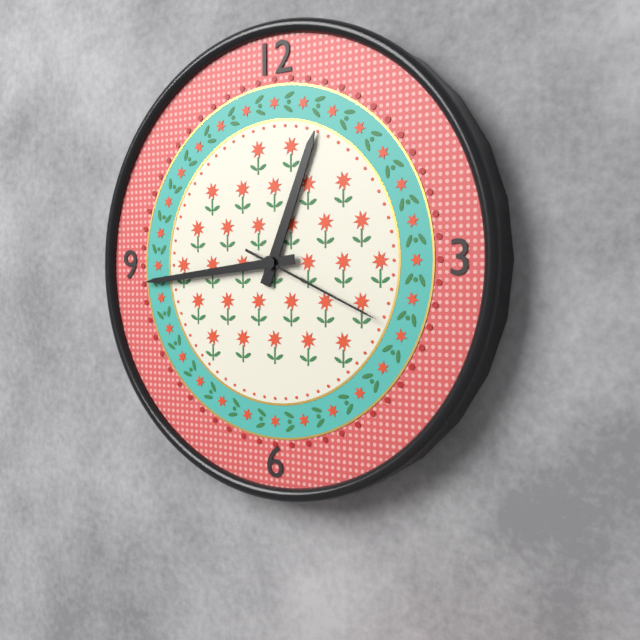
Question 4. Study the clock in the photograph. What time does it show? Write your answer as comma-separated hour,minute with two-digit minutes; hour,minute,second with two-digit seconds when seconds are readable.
12,44,19
